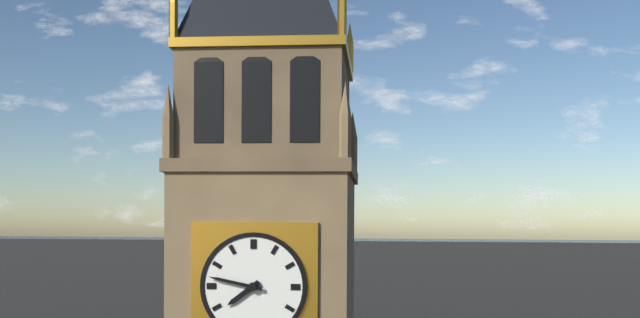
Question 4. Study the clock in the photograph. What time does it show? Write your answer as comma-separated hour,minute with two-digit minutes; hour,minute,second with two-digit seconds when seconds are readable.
7,47
